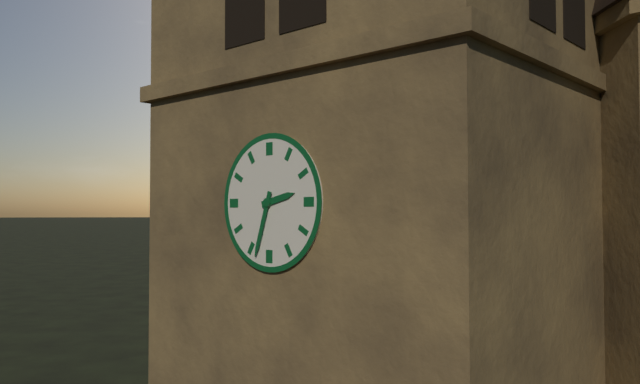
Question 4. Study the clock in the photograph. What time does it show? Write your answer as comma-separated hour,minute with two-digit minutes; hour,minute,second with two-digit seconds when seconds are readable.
2,33
